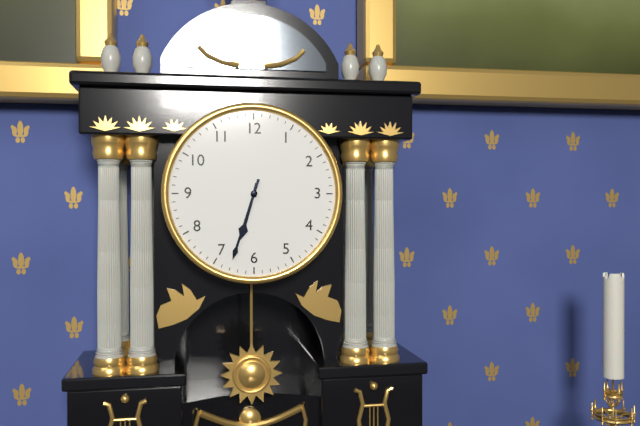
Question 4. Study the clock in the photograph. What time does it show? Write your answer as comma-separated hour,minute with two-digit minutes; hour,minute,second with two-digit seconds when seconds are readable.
6,33
